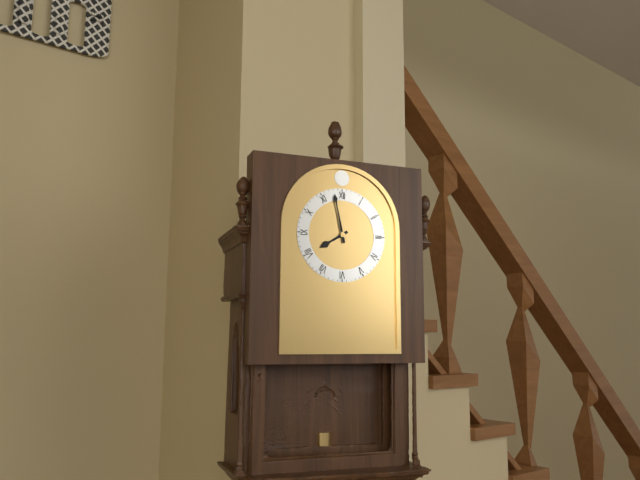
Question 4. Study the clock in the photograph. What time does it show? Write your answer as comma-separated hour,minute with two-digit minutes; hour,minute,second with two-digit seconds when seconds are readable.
7,58
